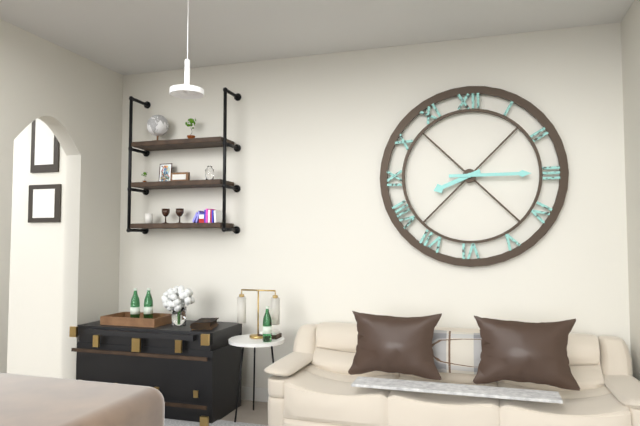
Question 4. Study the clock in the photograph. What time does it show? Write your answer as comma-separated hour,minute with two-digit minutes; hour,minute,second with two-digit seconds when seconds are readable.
8,15
